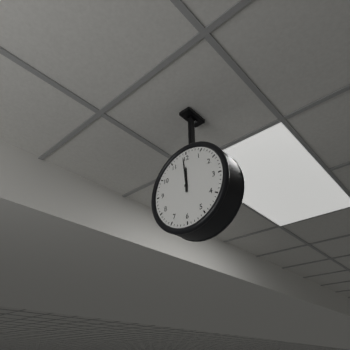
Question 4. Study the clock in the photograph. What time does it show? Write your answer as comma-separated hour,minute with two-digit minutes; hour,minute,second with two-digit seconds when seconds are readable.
11,59
